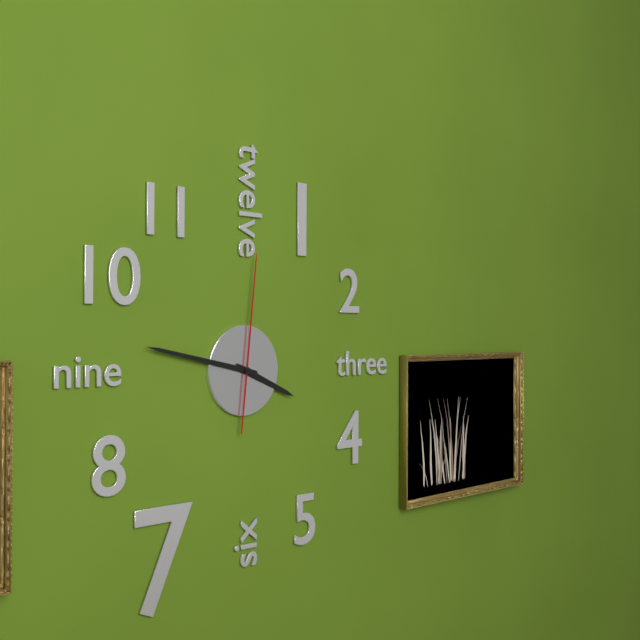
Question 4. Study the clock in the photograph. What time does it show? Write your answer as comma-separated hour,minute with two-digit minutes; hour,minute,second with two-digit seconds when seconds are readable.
3,47,01
